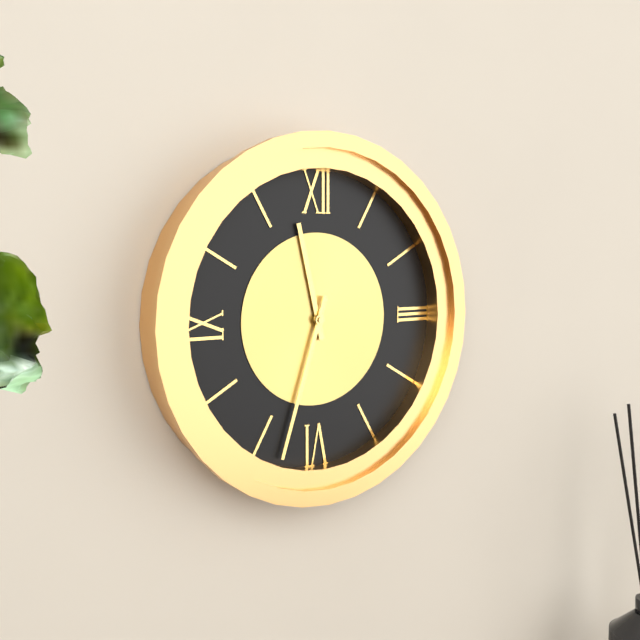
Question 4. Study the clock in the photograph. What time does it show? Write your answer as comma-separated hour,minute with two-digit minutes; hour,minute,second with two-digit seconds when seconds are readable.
11,33
